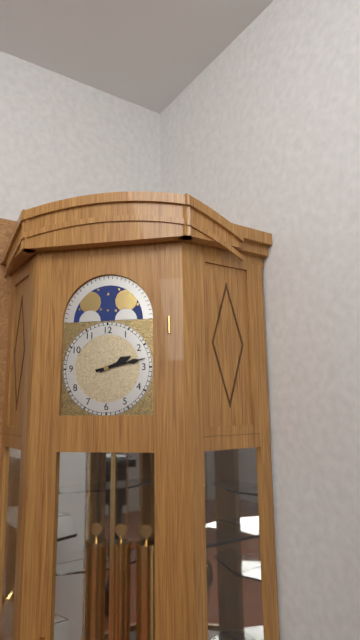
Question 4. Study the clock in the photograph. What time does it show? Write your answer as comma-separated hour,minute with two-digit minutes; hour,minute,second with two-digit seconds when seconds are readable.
2,13
